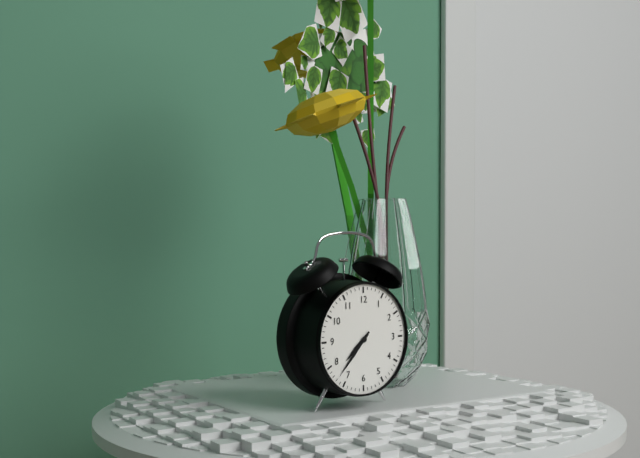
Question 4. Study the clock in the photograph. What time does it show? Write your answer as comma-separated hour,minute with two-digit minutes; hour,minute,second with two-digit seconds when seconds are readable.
7,37
